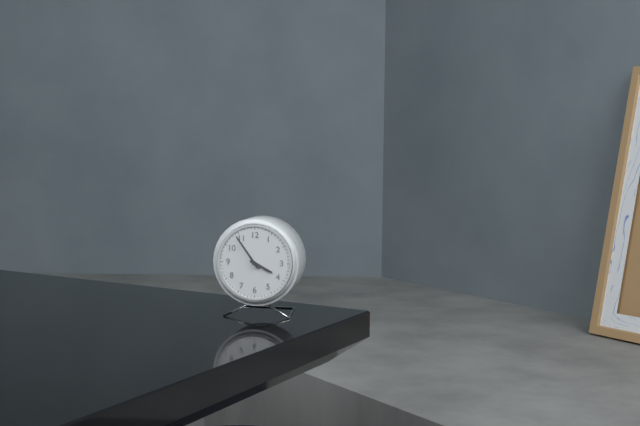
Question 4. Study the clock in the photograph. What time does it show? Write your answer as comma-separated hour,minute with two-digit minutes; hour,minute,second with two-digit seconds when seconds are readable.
3,54
